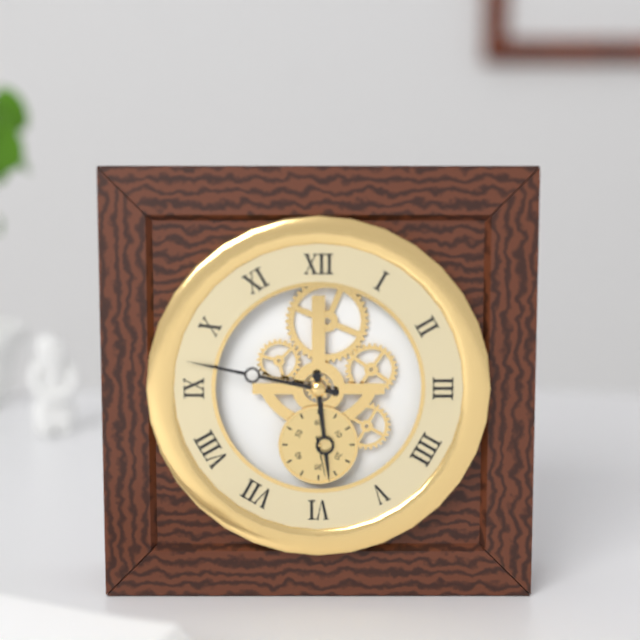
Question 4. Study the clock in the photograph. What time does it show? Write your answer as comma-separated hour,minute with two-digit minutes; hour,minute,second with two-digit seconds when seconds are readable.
5,47,28
